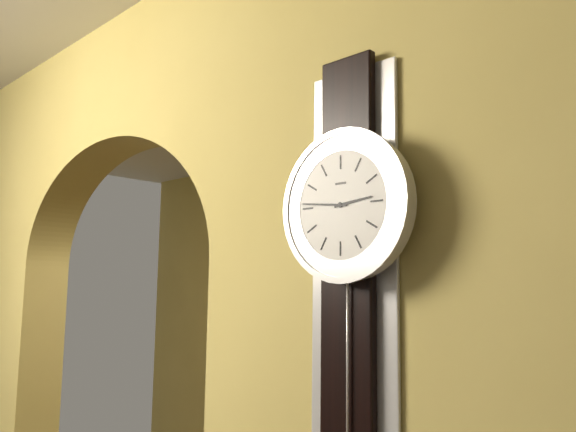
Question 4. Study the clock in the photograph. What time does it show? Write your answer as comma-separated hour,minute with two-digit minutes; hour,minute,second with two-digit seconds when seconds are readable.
2,46
